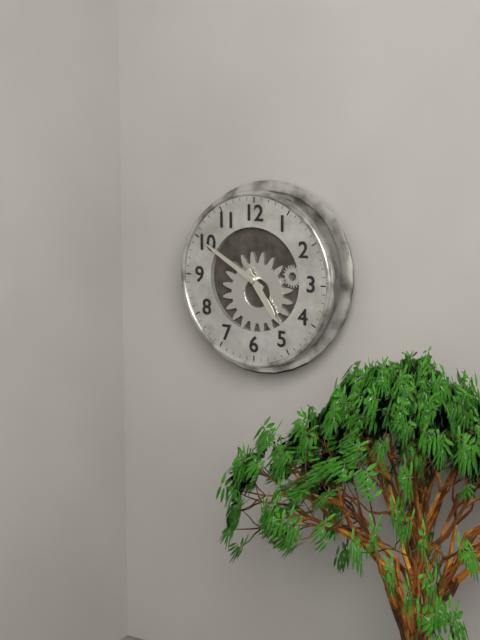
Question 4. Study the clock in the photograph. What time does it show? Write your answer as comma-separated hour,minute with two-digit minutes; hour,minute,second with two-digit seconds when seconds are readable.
4,50
